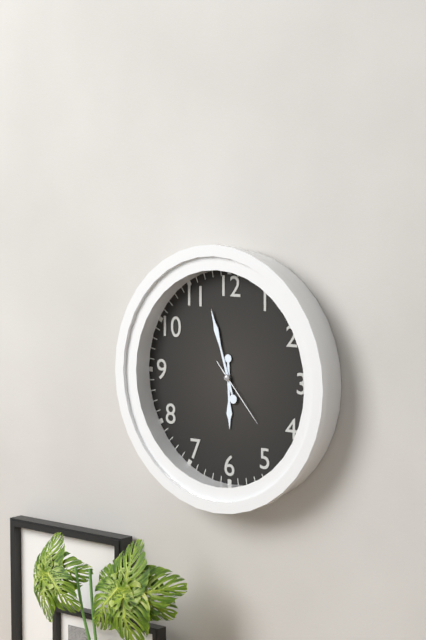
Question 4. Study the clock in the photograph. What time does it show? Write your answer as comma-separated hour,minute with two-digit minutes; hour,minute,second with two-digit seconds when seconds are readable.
5,57,23
